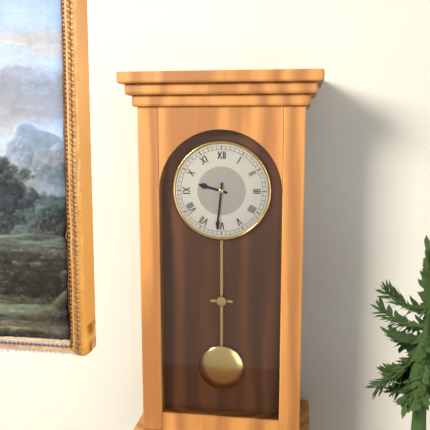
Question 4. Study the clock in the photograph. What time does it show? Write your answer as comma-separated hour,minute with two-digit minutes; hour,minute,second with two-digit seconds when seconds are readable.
9,31
